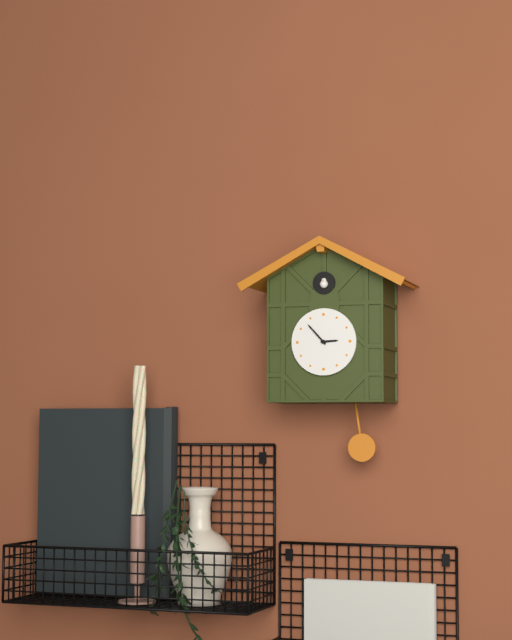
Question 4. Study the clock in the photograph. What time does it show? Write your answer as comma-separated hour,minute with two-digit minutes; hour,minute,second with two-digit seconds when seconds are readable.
2,53
